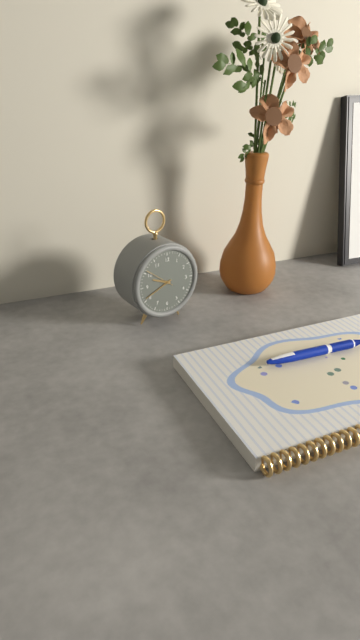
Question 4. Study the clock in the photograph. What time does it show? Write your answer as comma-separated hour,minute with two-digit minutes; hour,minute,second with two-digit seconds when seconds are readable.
9,41
